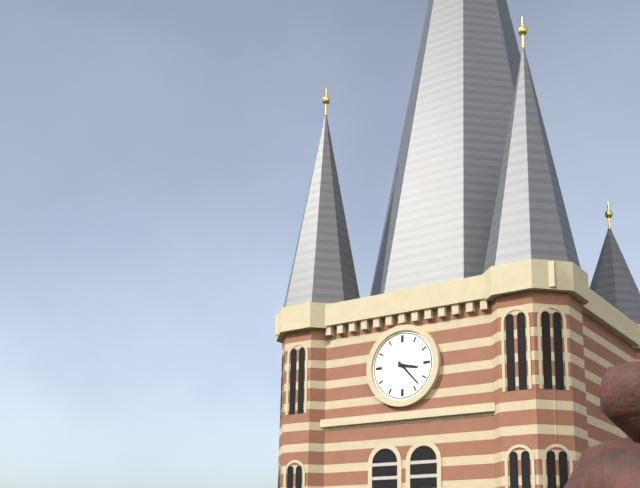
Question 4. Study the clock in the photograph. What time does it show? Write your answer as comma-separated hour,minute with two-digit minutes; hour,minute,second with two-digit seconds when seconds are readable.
3,23
